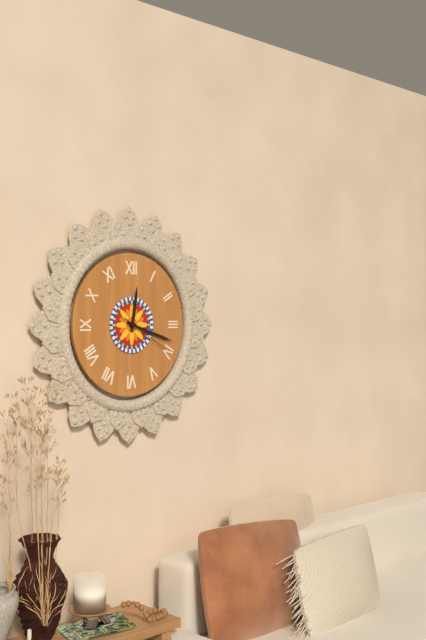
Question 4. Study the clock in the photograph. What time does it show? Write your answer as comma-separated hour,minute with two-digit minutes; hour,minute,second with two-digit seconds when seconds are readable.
12,18,20
